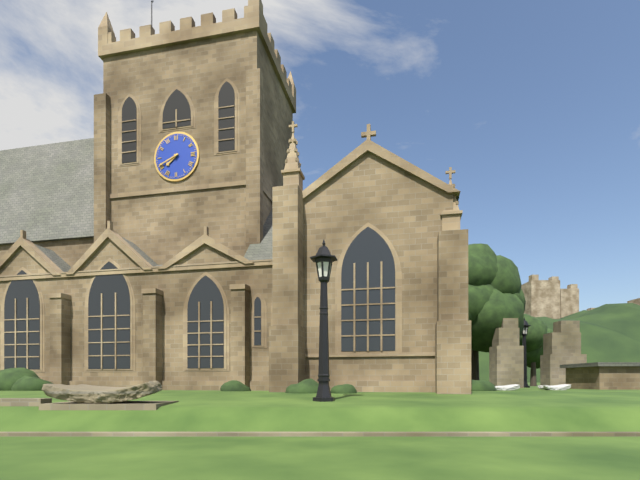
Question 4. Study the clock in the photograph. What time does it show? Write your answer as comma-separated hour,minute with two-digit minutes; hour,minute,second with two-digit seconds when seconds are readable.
7,41
